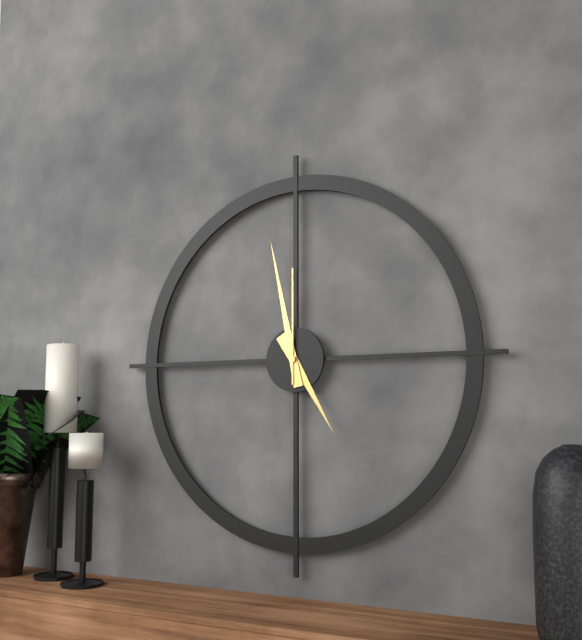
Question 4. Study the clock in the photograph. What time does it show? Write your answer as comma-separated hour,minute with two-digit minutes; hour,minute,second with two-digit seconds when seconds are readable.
4,58,00
